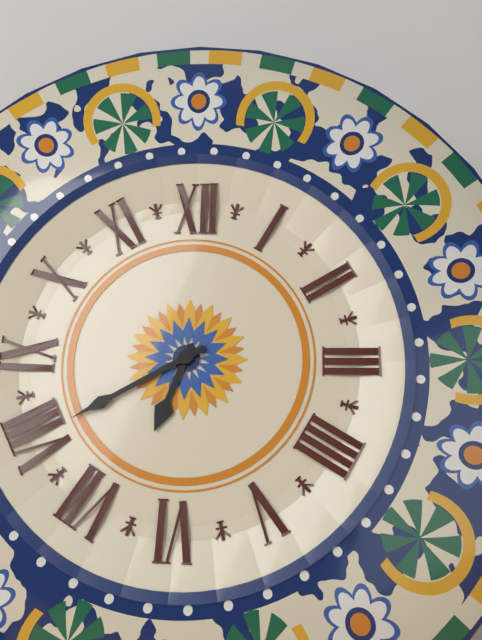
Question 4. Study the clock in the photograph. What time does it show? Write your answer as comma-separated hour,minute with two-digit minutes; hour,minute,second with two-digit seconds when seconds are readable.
6,40
